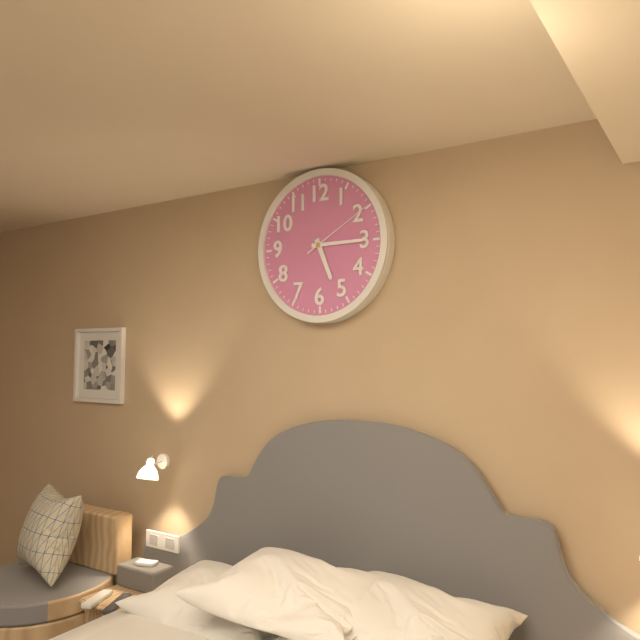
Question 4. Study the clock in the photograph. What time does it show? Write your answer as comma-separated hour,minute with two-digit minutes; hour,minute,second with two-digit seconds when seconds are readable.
5,15,10
